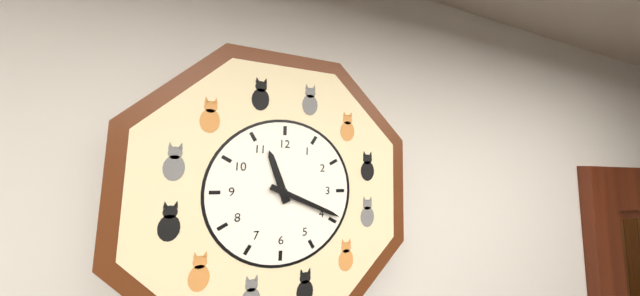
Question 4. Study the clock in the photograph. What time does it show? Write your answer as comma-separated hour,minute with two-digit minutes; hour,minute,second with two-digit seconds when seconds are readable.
11,19
